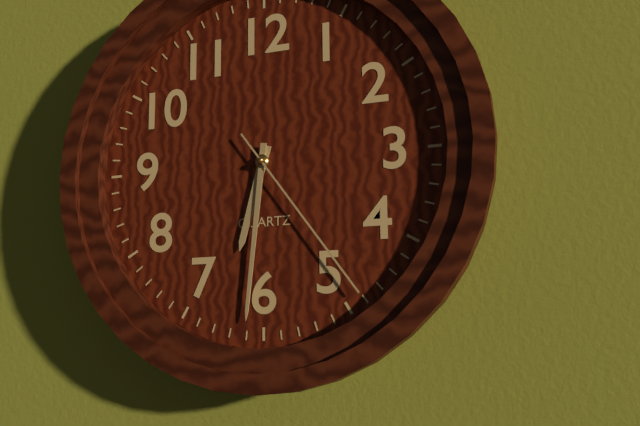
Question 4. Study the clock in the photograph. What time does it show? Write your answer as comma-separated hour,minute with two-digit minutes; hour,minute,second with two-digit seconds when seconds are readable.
6,31,24
